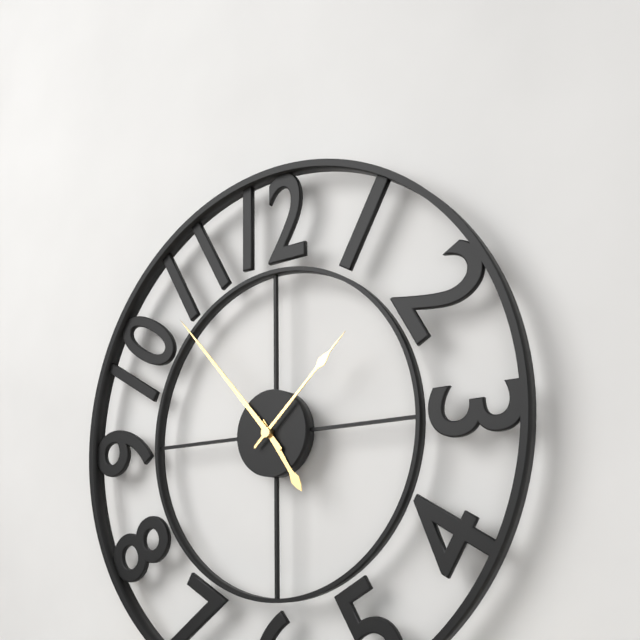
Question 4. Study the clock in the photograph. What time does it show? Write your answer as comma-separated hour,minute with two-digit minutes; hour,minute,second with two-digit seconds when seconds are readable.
4,53,08
